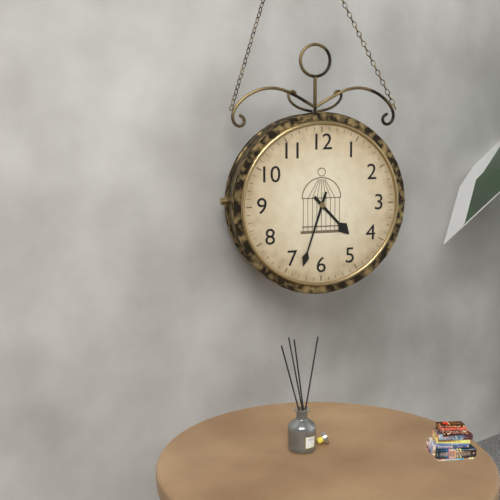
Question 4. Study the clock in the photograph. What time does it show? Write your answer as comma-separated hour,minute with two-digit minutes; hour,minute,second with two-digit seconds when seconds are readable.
4,33
